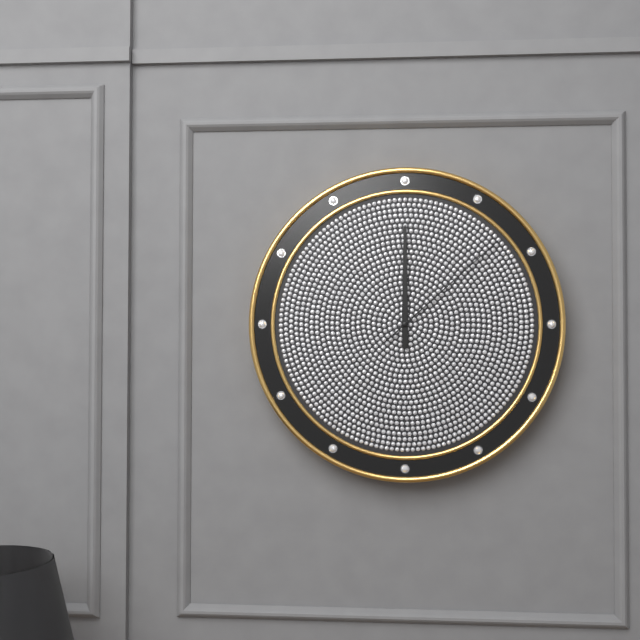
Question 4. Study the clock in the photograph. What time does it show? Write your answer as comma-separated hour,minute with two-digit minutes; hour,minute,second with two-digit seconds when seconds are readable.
12,00,08
